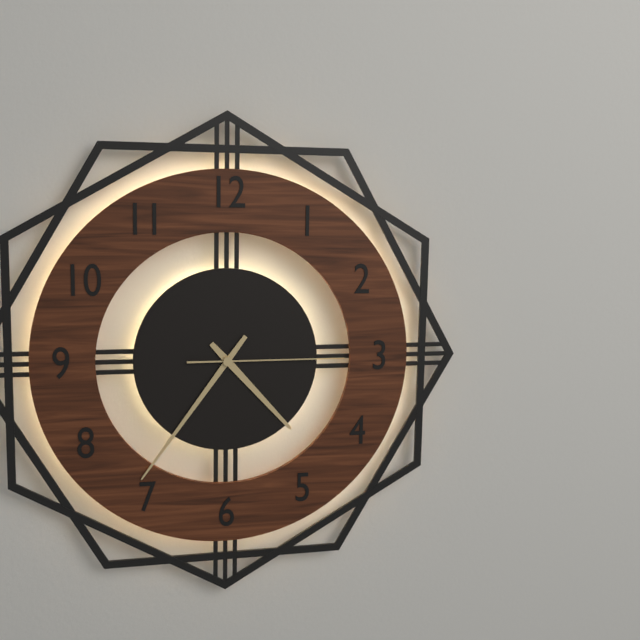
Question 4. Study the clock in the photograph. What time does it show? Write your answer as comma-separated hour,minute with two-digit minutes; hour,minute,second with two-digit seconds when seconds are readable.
4,36,15
